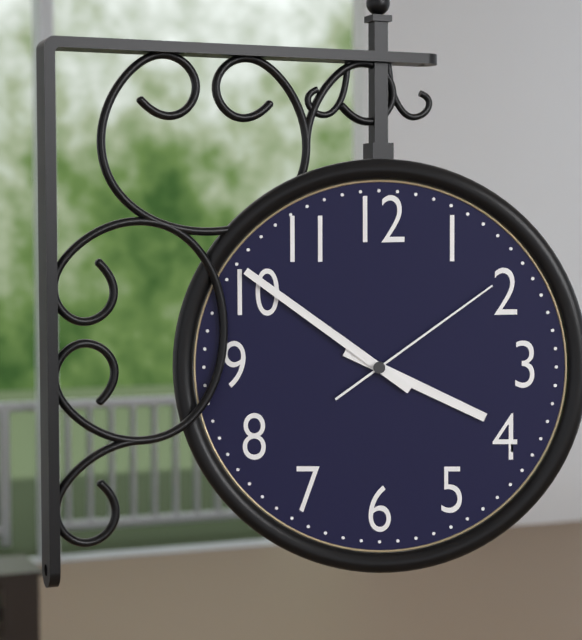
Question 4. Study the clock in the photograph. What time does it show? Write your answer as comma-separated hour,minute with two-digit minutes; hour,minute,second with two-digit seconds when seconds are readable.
3,51,09
